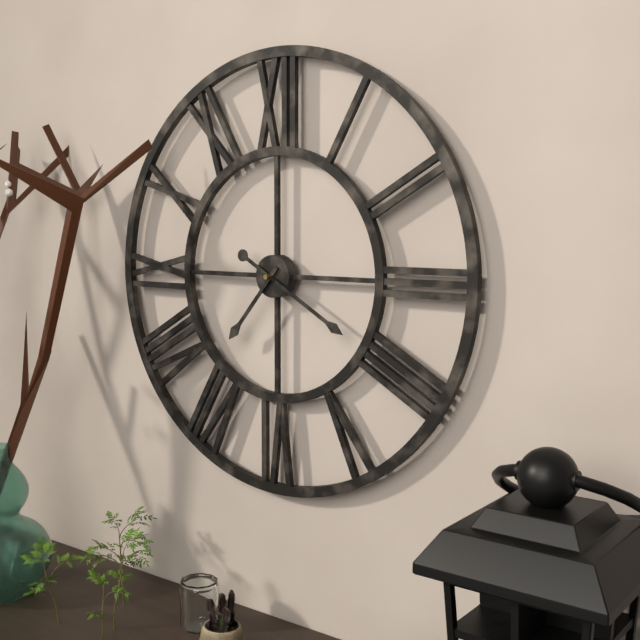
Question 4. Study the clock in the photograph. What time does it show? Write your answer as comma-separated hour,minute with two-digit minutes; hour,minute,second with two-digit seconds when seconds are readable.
7,20
